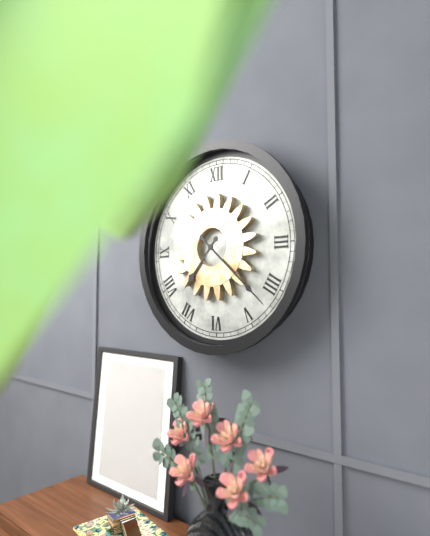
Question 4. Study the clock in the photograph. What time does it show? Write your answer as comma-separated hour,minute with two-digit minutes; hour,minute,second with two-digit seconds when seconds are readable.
7,22
